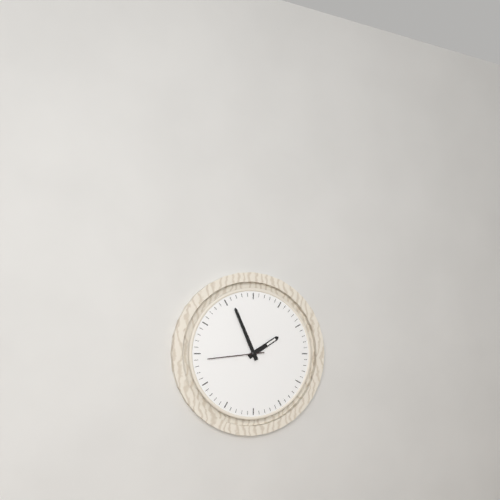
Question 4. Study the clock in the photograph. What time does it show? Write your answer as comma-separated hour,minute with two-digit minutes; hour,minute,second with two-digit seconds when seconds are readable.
1,56,44
